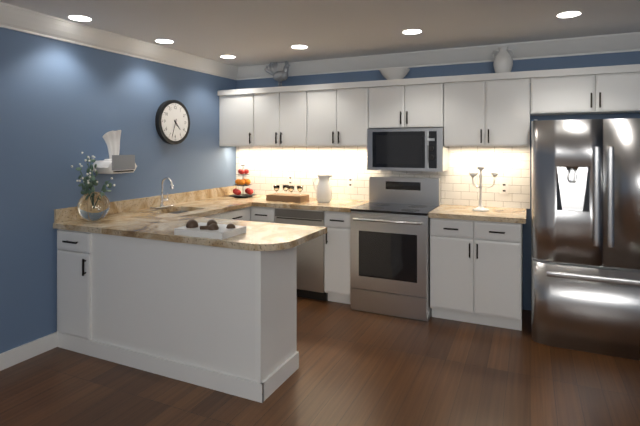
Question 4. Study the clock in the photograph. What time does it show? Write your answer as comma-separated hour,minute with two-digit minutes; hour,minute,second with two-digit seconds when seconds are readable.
4,33
